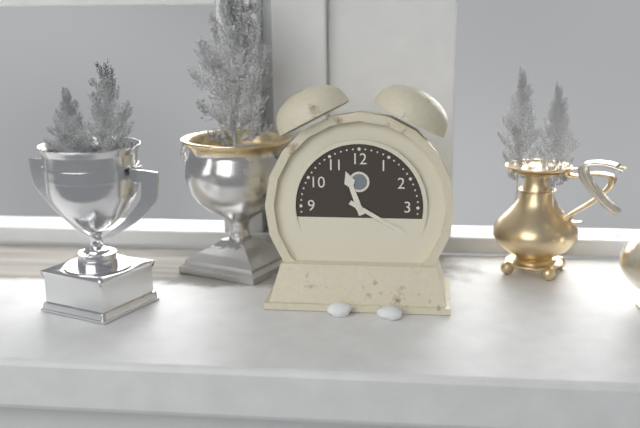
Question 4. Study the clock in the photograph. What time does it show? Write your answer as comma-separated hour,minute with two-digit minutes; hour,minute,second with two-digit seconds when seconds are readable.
11,20
